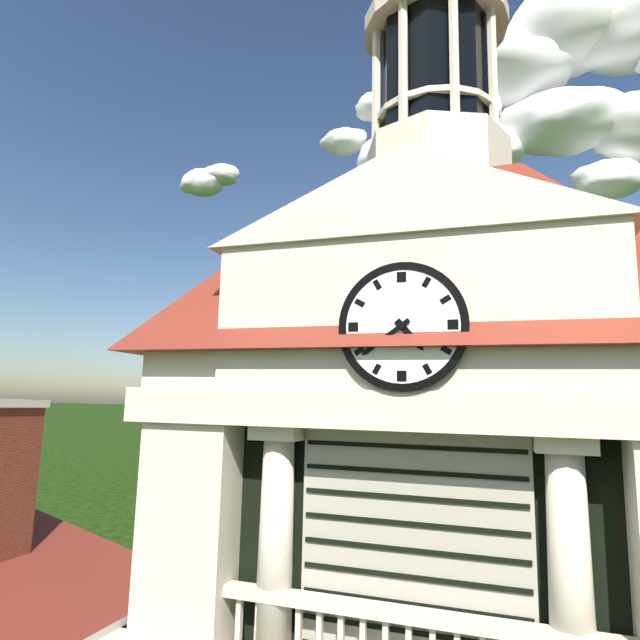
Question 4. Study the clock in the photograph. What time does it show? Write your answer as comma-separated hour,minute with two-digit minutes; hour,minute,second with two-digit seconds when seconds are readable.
4,39
